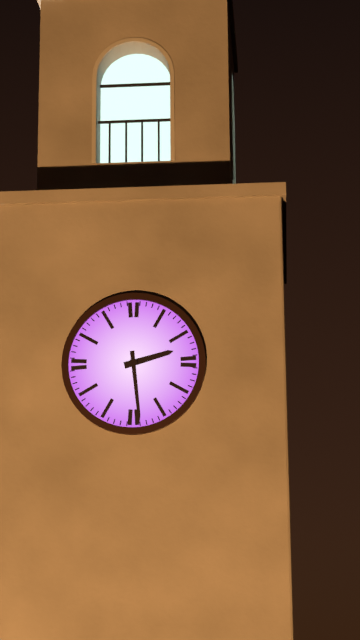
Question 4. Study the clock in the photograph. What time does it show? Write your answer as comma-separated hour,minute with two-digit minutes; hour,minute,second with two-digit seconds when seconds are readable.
2,29
